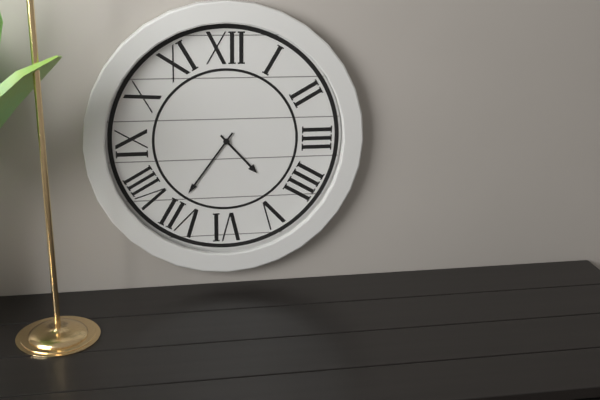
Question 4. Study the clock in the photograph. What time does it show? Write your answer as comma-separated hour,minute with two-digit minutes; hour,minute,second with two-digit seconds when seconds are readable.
4,36
